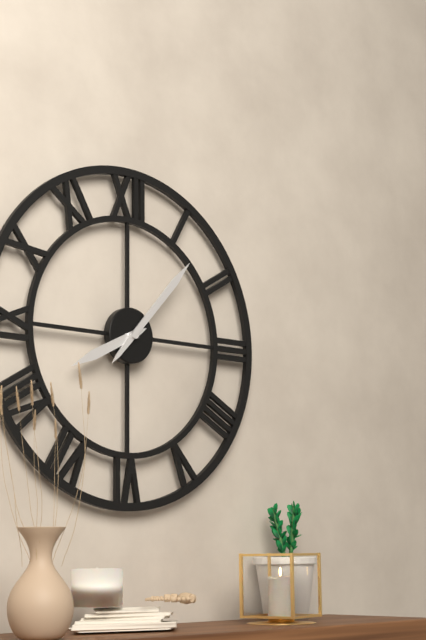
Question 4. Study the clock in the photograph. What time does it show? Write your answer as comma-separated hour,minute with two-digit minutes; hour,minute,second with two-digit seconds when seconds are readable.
8,07
